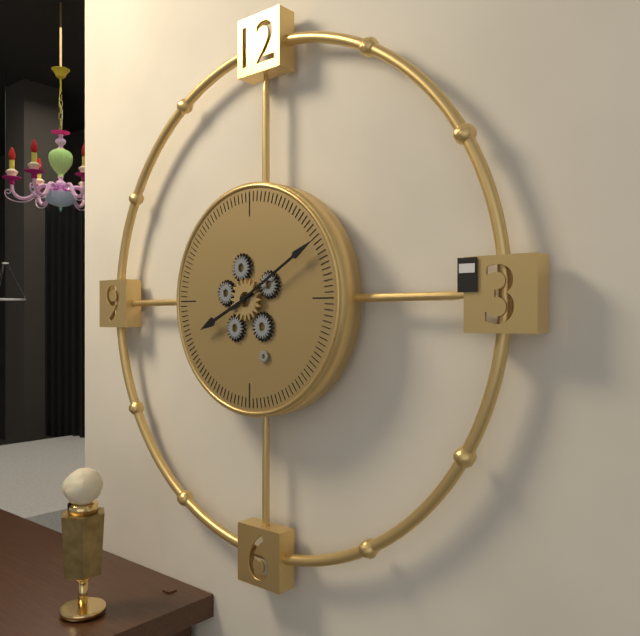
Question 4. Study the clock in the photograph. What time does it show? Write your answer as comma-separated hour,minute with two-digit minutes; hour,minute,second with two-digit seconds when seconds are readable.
8,10
